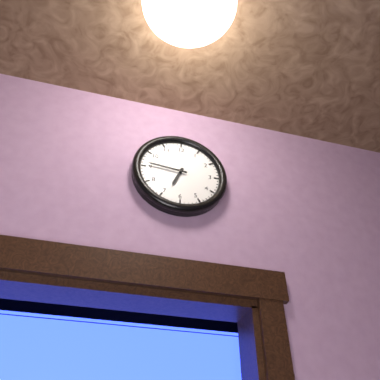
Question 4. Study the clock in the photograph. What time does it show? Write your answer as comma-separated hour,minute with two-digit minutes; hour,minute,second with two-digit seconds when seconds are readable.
6,46
